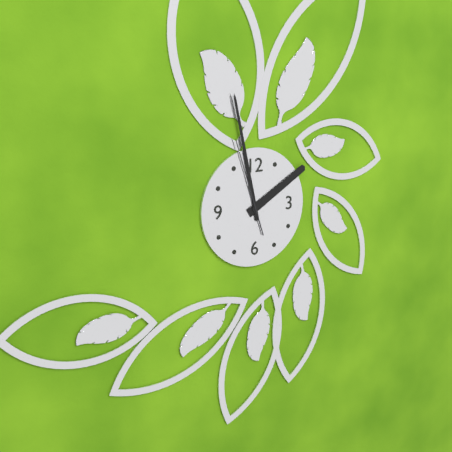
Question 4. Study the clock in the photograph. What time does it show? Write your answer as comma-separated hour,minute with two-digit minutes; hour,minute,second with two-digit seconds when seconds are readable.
1,58,57
